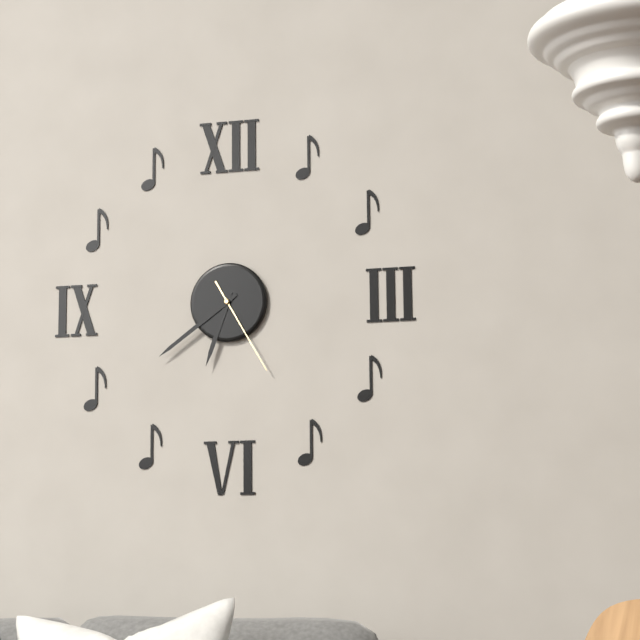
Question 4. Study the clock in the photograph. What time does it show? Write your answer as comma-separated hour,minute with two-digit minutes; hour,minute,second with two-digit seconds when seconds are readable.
6,39,25
